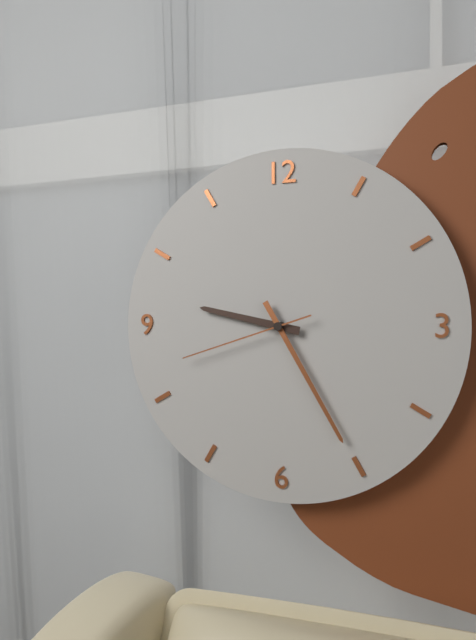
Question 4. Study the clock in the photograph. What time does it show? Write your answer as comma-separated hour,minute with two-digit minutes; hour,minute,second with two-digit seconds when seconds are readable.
9,25,42
